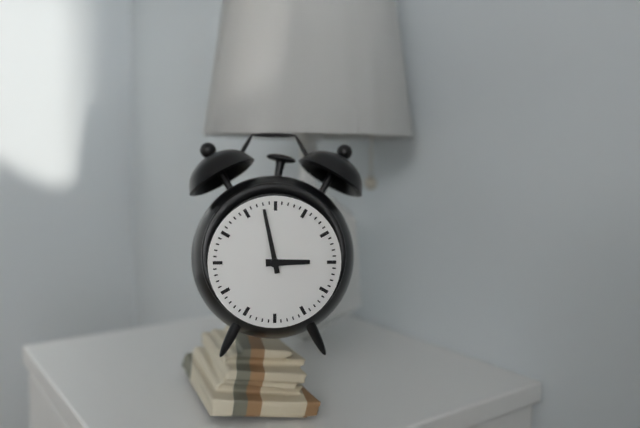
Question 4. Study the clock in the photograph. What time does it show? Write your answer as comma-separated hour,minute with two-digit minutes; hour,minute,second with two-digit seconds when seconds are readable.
2,58
